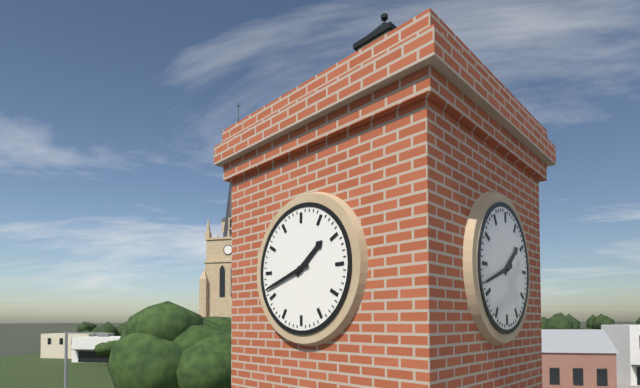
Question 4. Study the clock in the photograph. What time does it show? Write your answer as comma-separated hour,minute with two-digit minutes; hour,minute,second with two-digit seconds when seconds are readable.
1,42
